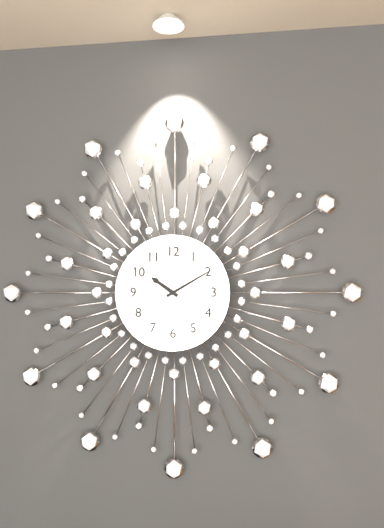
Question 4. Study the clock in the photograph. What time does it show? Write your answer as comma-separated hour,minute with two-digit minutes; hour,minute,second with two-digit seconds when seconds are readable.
10,10
